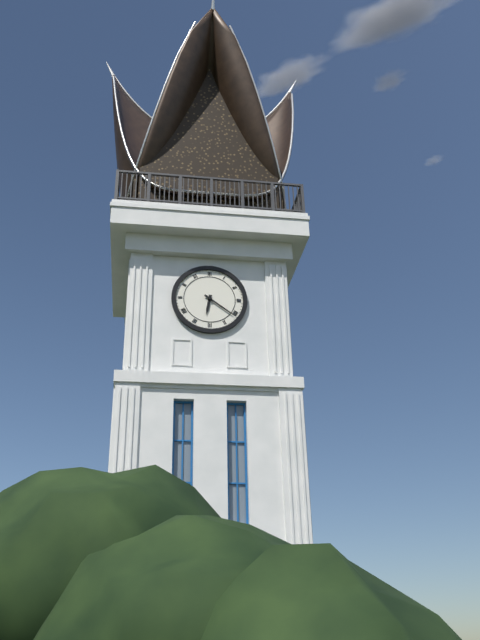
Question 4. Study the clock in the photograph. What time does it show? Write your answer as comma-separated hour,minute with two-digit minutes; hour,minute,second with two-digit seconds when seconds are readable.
6,21
